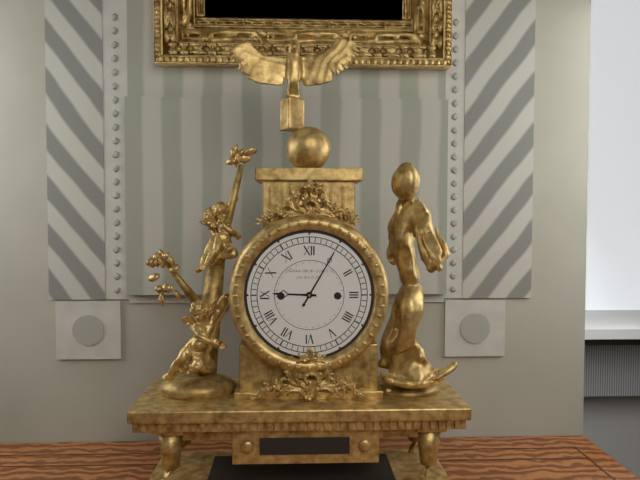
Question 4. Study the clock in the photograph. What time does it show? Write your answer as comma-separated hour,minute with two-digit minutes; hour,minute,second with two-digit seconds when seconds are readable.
9,05
